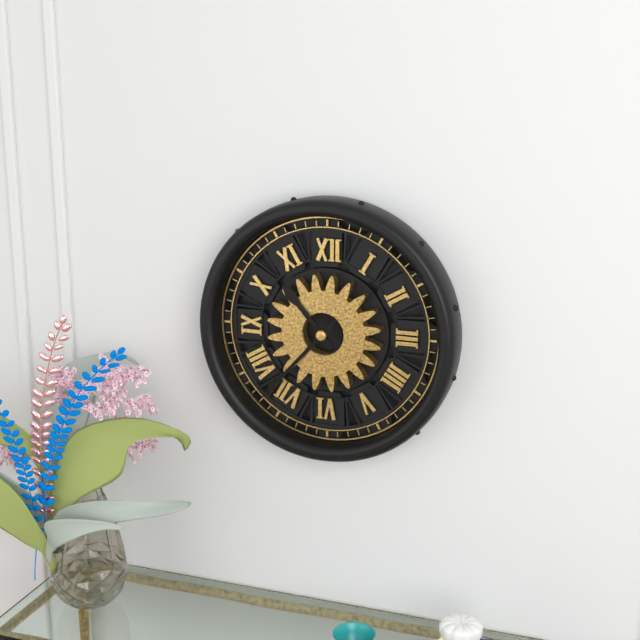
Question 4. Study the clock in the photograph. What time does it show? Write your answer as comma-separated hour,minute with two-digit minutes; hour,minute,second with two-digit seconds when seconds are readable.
10,37
